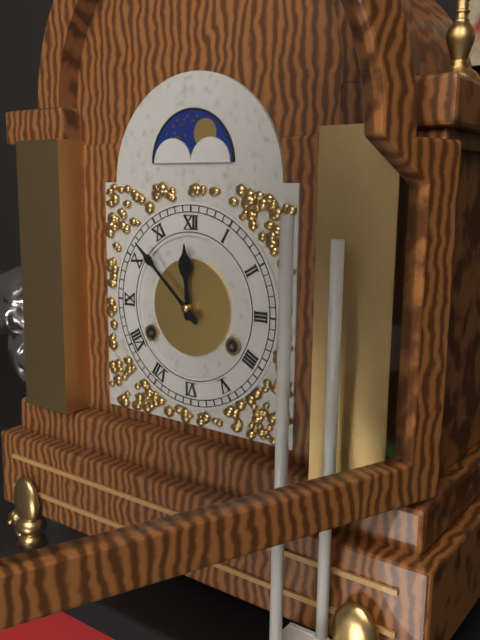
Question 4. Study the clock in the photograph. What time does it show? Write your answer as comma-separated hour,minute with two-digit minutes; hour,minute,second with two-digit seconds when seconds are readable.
11,52
